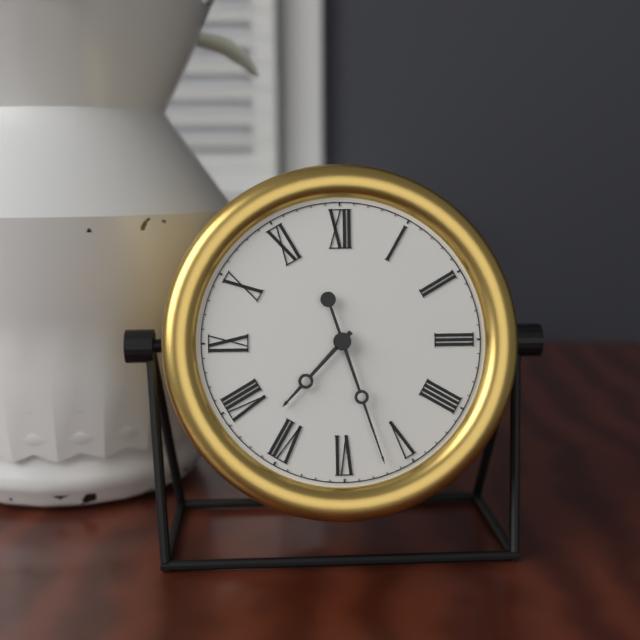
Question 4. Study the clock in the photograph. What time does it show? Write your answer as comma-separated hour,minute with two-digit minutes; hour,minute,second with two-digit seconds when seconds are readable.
7,27
